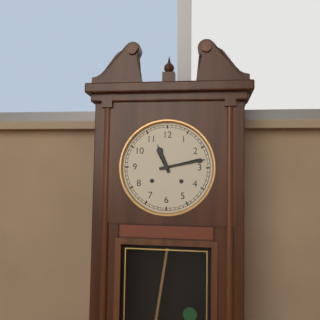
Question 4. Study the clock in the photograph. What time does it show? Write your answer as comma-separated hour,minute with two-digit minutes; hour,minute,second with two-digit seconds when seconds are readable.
11,13
